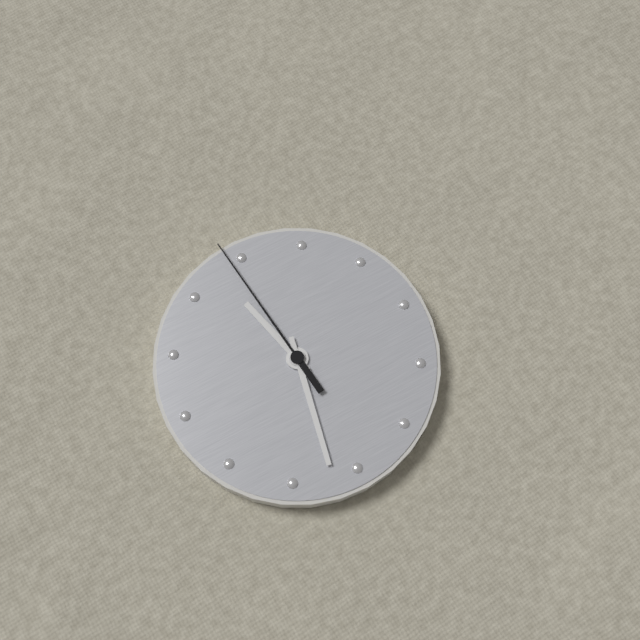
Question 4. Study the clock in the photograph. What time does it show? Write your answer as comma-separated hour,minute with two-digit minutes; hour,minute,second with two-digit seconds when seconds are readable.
11,32,59
